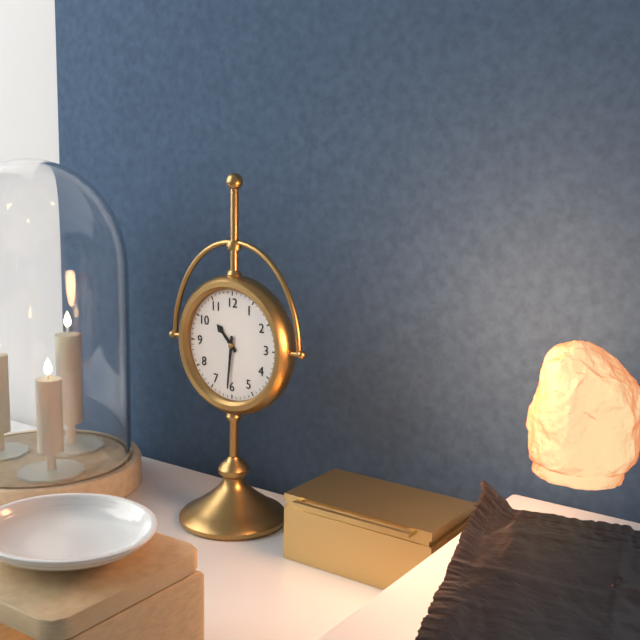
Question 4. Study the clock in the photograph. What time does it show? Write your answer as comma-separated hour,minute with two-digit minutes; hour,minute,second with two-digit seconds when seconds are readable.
10,31
